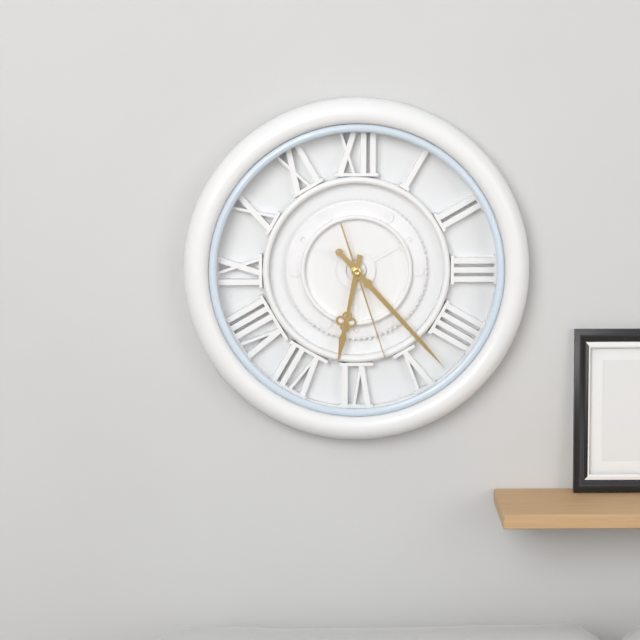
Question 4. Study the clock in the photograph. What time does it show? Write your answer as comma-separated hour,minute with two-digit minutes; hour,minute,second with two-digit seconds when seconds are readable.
6,23,27
